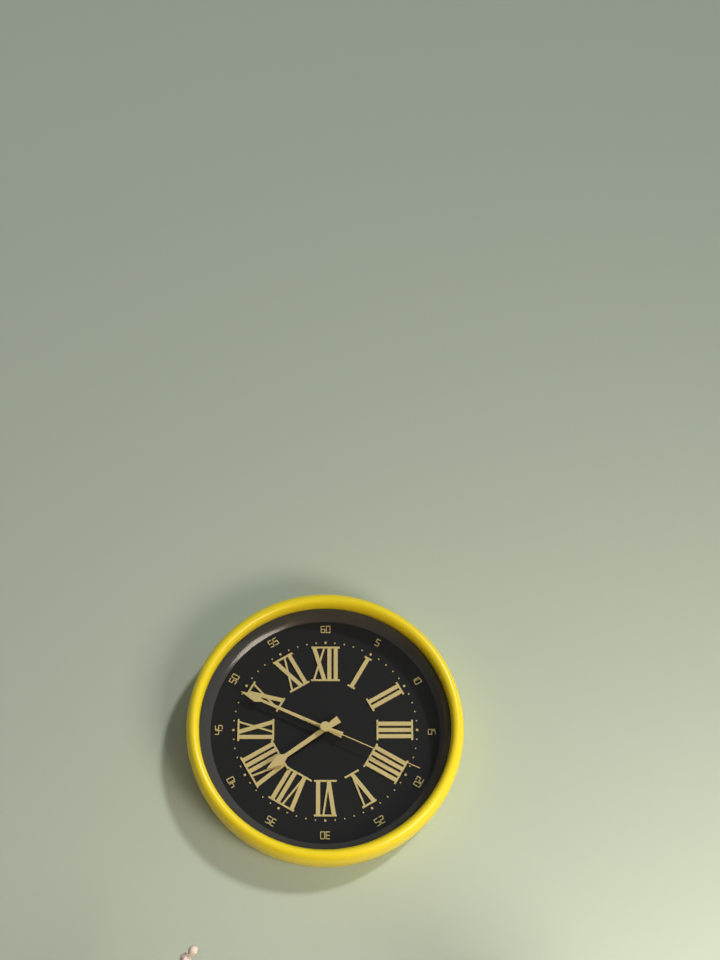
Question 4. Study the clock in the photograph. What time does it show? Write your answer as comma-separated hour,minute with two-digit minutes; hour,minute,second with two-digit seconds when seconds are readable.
7,49,19
